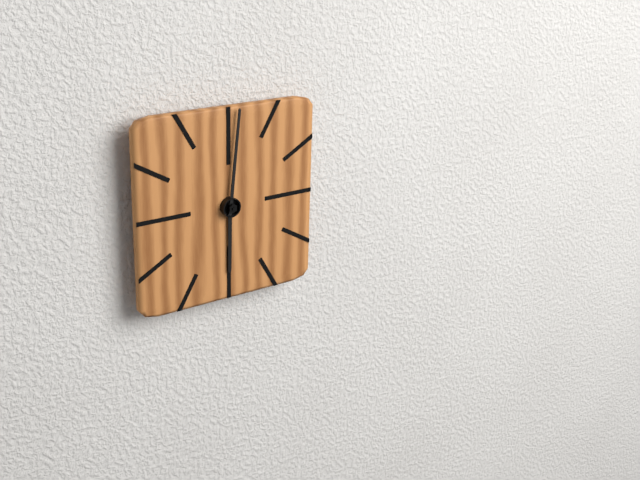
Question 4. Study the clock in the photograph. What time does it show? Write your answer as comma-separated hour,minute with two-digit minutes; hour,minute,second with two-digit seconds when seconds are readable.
6,01
